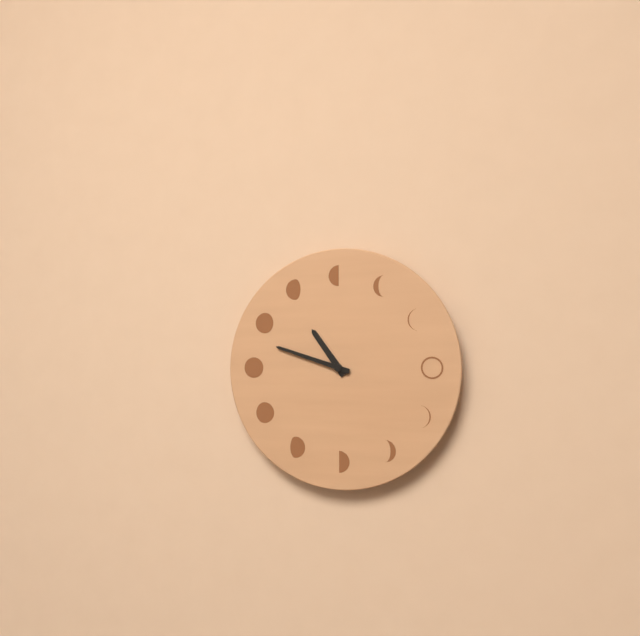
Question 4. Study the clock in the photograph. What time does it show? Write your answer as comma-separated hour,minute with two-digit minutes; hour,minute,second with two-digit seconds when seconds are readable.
10,48
